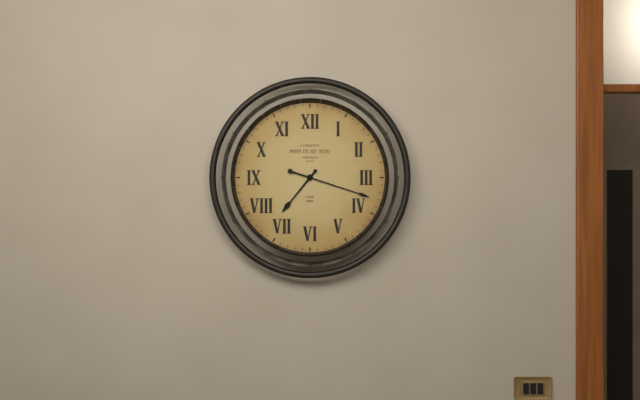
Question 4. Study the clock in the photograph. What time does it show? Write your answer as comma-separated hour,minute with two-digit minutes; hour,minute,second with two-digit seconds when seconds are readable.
7,18
